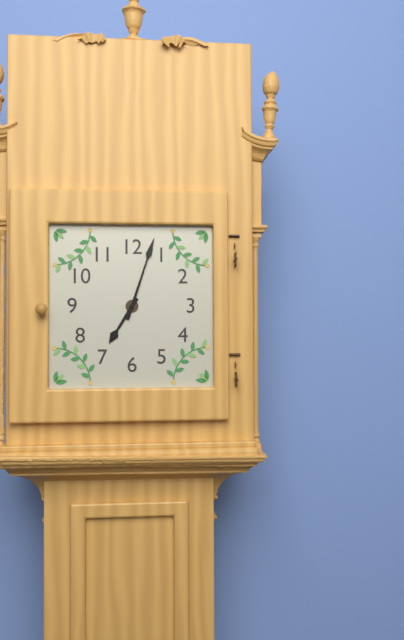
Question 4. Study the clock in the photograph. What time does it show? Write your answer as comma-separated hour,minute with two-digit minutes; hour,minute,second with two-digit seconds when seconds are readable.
7,03
